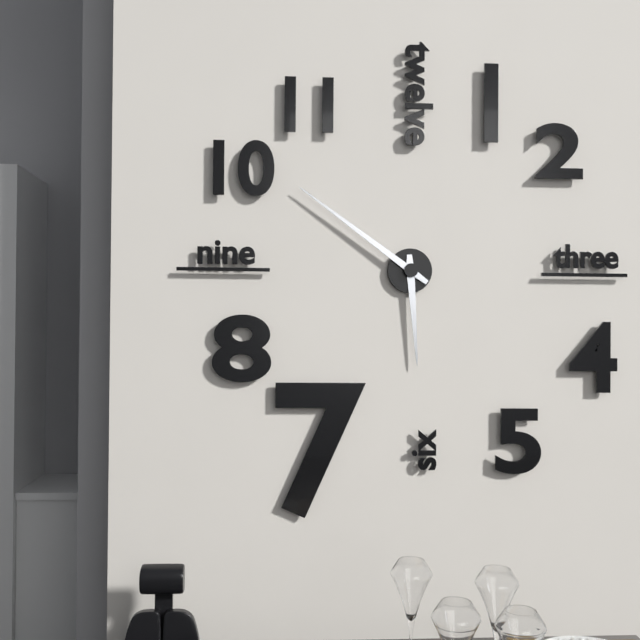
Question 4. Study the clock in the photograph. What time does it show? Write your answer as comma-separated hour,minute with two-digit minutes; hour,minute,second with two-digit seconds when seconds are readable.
5,51
